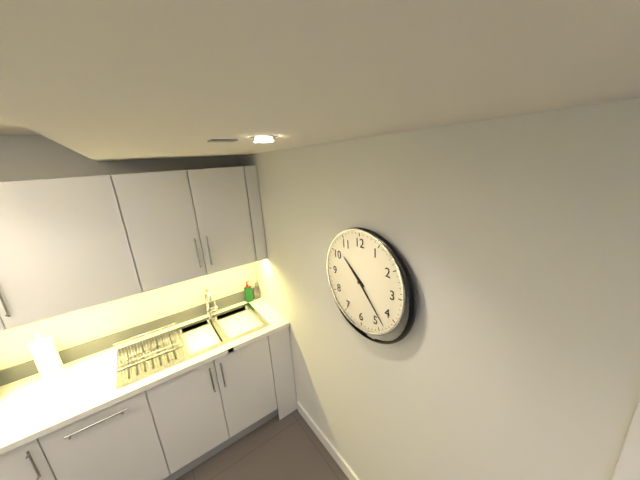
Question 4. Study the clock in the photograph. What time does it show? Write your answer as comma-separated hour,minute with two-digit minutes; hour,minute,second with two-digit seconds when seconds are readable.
10,23
